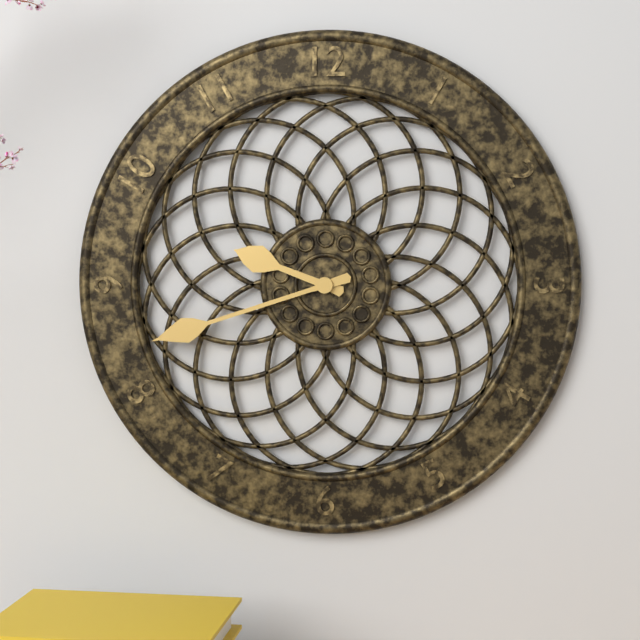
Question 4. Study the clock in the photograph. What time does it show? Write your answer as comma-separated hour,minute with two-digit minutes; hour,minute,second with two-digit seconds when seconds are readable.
9,42
